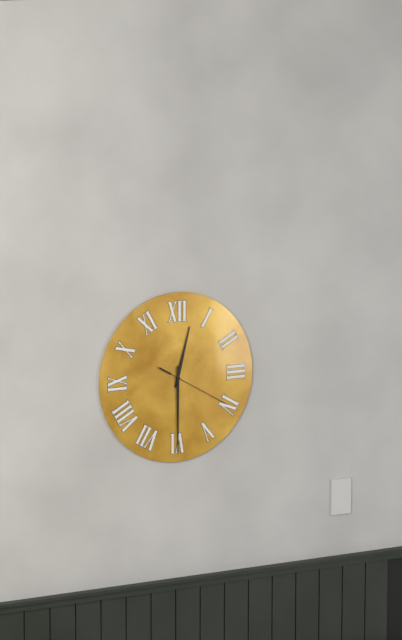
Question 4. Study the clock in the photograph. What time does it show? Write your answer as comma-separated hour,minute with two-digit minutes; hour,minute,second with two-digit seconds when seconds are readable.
12,30,20
